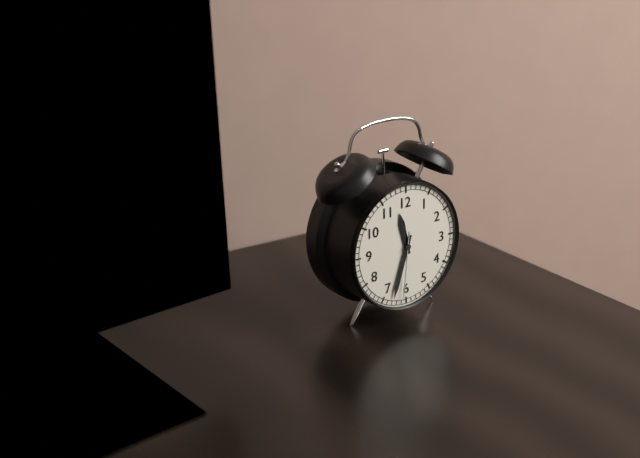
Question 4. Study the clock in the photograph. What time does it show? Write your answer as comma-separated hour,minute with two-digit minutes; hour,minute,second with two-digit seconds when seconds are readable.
11,33,31
